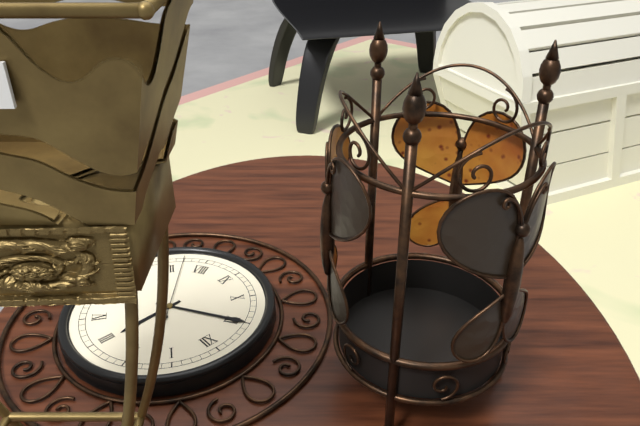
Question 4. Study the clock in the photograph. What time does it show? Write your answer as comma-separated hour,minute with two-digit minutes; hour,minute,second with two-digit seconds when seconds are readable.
2,55,37
